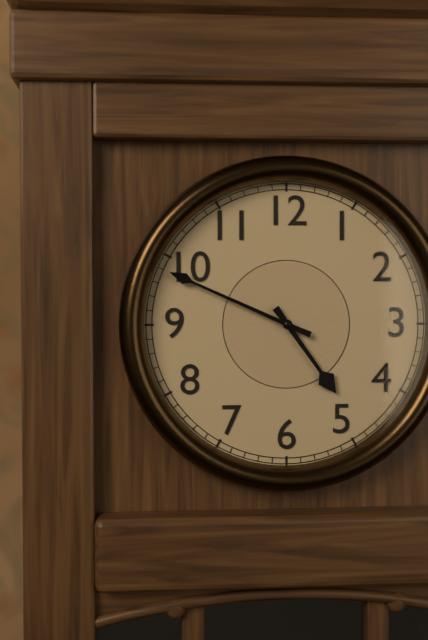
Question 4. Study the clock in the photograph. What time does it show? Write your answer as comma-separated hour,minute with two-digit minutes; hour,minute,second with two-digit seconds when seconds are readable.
4,49
